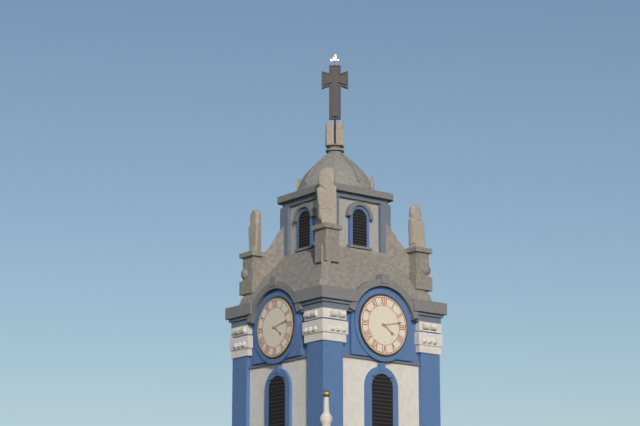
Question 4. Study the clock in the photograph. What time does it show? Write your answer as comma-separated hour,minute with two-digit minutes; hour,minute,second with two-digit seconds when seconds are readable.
4,13
